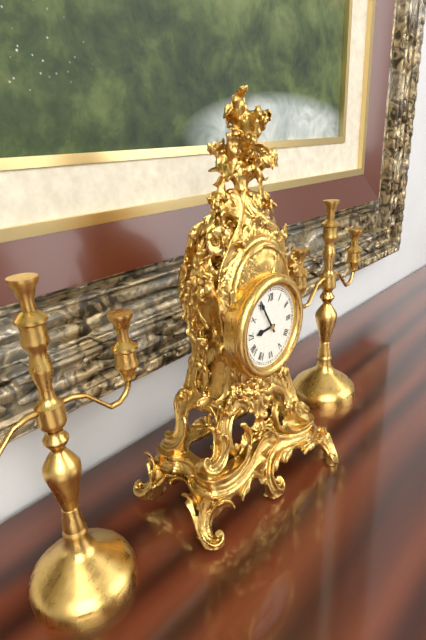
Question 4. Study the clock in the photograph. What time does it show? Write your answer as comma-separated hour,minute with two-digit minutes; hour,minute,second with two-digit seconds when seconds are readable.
8,55
